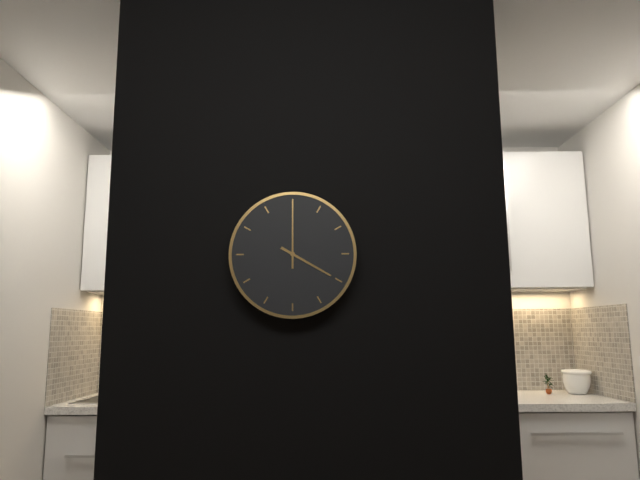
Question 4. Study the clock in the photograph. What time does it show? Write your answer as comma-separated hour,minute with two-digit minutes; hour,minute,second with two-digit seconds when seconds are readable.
4,00
